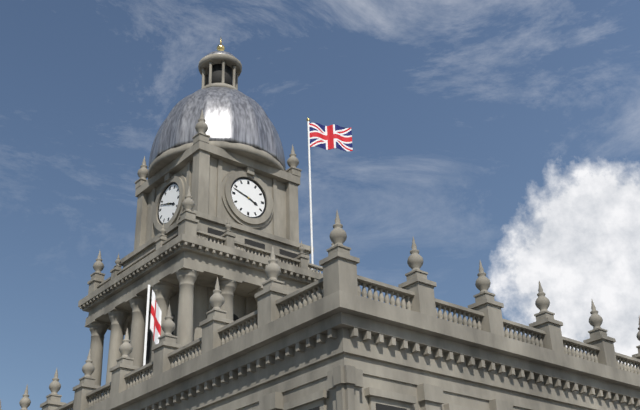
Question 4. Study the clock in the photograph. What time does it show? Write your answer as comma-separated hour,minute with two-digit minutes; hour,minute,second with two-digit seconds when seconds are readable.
3,48
